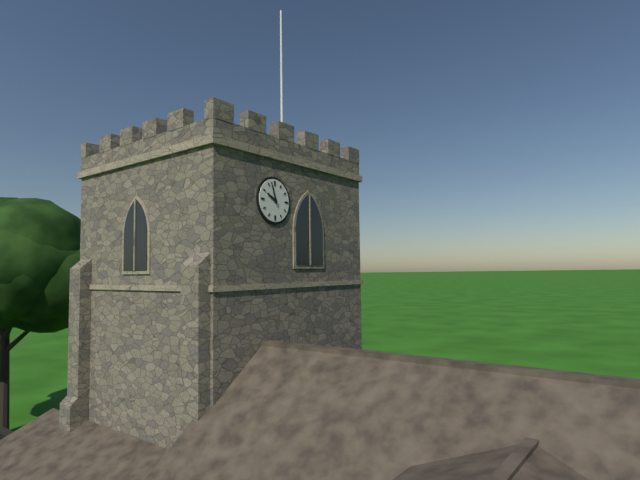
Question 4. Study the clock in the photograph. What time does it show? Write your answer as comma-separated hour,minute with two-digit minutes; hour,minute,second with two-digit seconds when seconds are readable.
9,57
